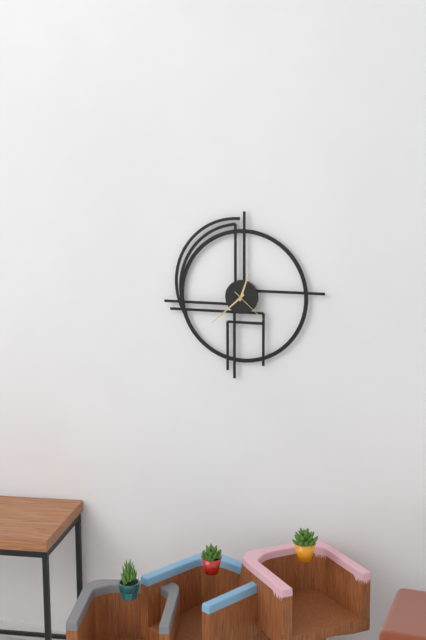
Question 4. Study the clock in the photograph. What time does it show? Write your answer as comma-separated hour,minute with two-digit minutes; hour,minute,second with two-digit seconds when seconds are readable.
12,38
